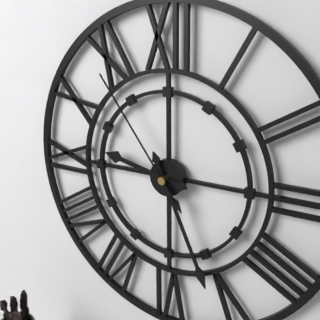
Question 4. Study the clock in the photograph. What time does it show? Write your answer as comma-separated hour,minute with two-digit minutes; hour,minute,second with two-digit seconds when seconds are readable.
9,26,54
